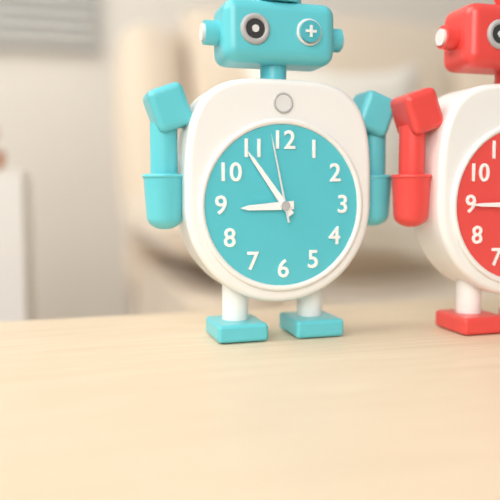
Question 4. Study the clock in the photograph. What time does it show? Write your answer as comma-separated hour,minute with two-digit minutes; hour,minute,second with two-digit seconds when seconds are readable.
8,54,58
